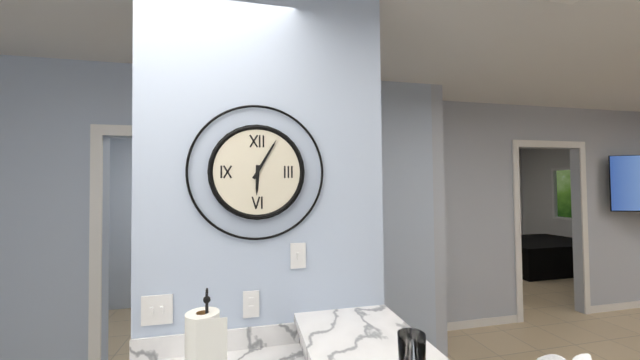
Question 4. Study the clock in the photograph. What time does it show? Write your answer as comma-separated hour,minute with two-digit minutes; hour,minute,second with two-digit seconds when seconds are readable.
6,05
